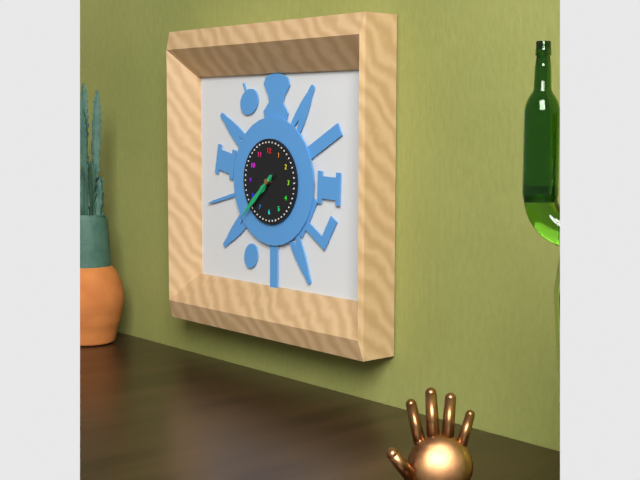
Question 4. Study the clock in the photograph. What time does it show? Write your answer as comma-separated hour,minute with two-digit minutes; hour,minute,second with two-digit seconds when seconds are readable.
7,38
